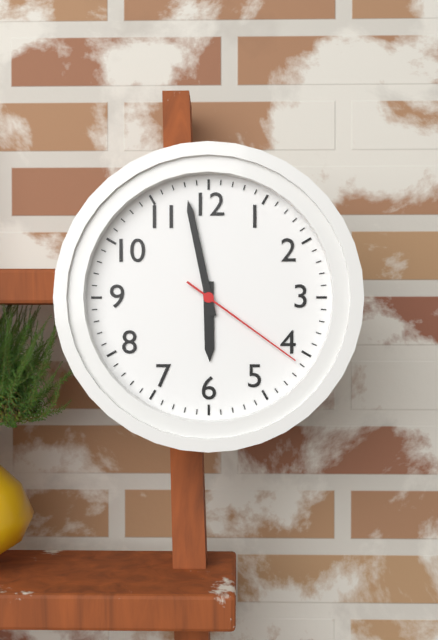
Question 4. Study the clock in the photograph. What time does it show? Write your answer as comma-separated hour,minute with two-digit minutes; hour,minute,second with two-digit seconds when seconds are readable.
5,58,21
